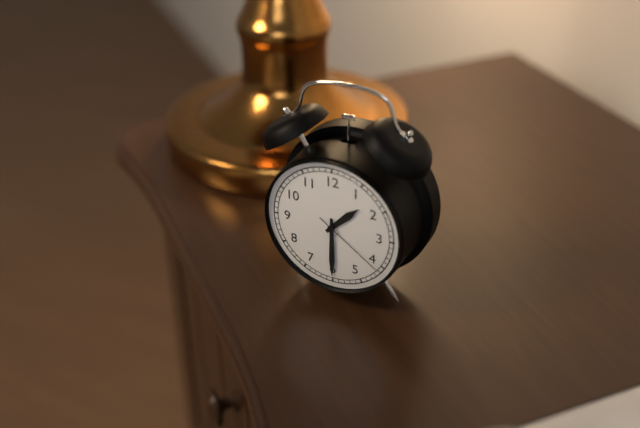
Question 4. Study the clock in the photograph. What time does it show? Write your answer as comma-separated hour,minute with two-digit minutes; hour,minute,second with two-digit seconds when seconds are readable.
1,30,21
